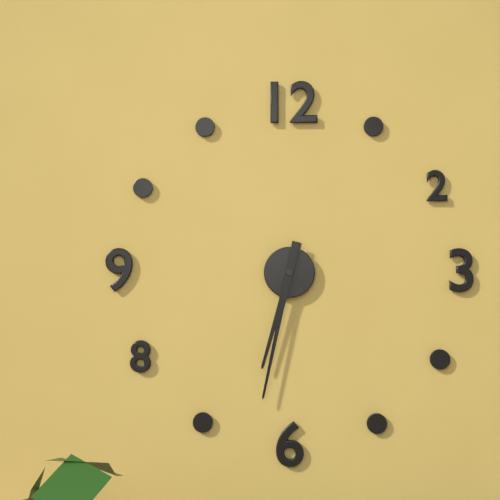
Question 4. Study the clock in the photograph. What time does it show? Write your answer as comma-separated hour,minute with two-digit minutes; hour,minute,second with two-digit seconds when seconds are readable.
6,32
